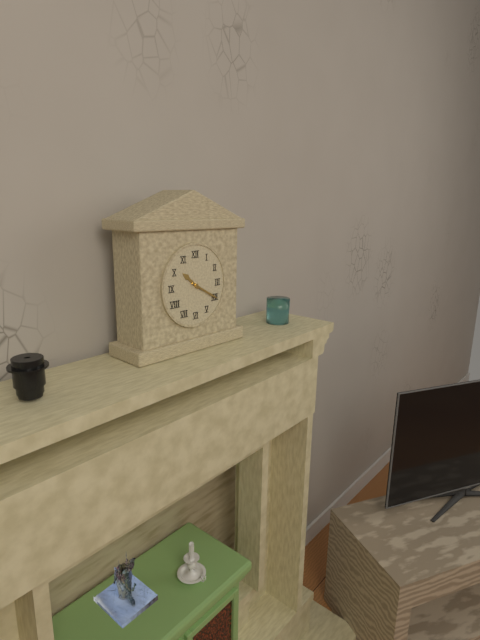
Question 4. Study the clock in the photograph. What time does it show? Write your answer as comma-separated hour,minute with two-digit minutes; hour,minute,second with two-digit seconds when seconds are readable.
10,20
